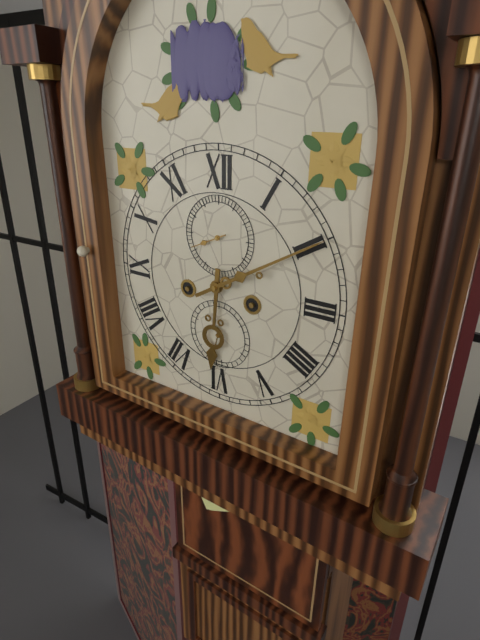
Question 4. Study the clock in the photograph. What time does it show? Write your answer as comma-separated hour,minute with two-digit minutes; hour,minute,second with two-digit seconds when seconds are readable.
6,10
